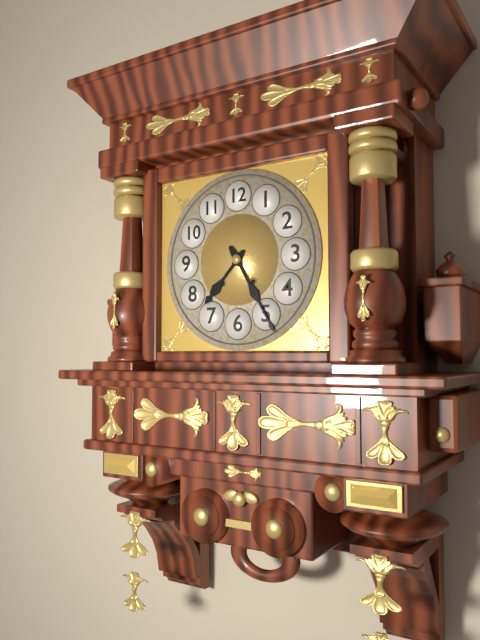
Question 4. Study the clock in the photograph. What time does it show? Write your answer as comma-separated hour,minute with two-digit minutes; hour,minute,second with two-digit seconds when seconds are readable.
7,25
